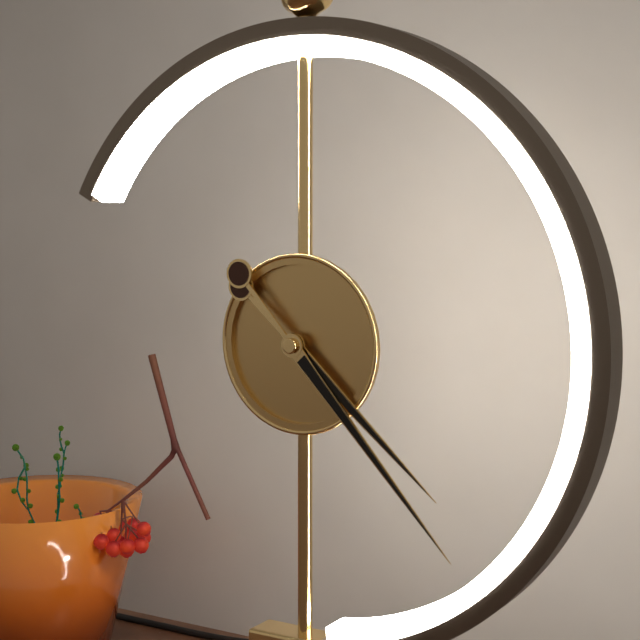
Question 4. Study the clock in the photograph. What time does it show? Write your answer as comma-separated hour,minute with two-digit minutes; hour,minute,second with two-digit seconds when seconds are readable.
4,23
